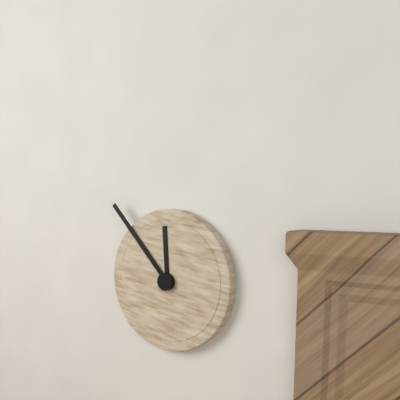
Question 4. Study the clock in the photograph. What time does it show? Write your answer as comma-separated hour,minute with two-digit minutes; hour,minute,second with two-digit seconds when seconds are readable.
11,53
